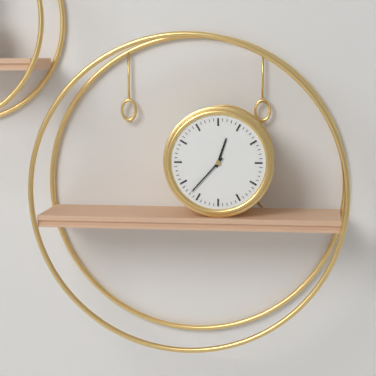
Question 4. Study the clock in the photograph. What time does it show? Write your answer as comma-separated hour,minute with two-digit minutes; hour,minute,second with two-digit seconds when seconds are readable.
12,37
